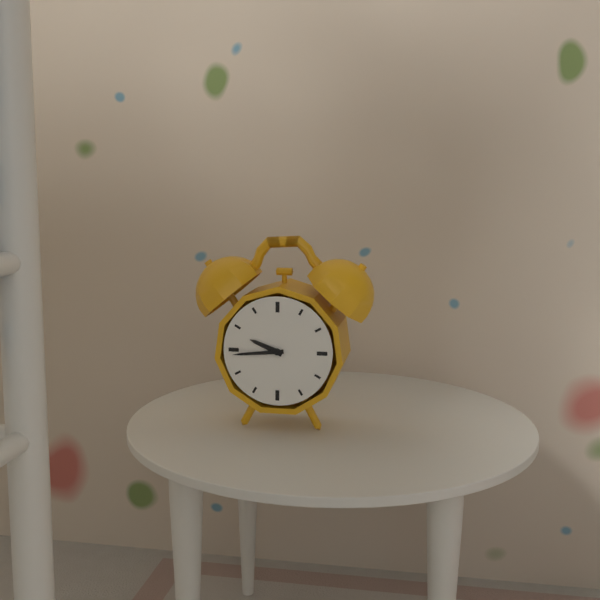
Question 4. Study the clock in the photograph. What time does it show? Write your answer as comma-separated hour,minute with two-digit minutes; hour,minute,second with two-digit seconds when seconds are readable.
9,44
